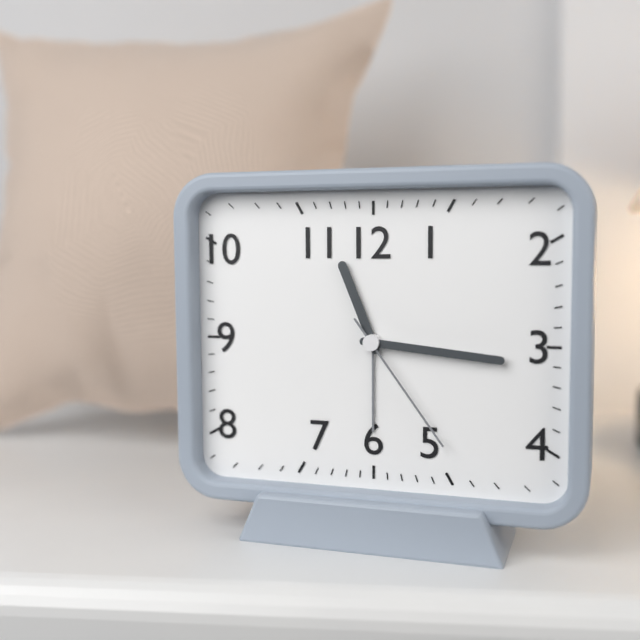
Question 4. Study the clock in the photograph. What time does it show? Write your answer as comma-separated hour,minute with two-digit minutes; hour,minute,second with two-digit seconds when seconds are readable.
11,16,24
